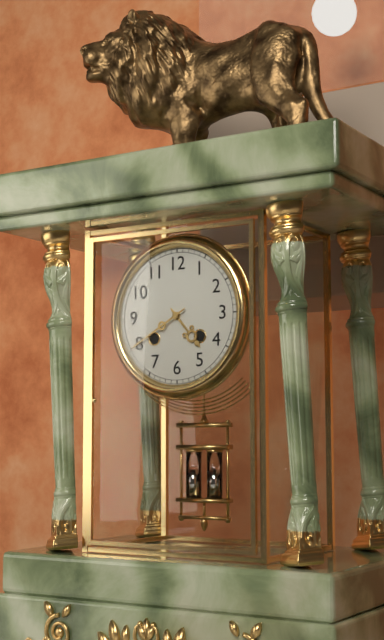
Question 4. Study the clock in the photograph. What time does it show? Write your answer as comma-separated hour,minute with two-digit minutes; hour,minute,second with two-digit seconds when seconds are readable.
4,40
